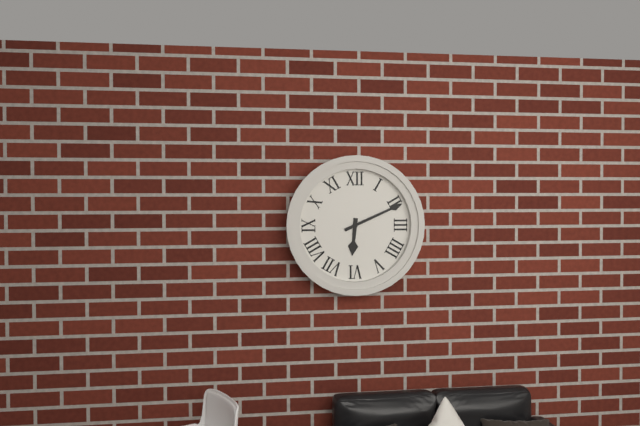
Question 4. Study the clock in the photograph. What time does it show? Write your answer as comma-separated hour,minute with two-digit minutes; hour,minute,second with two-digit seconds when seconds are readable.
6,11
